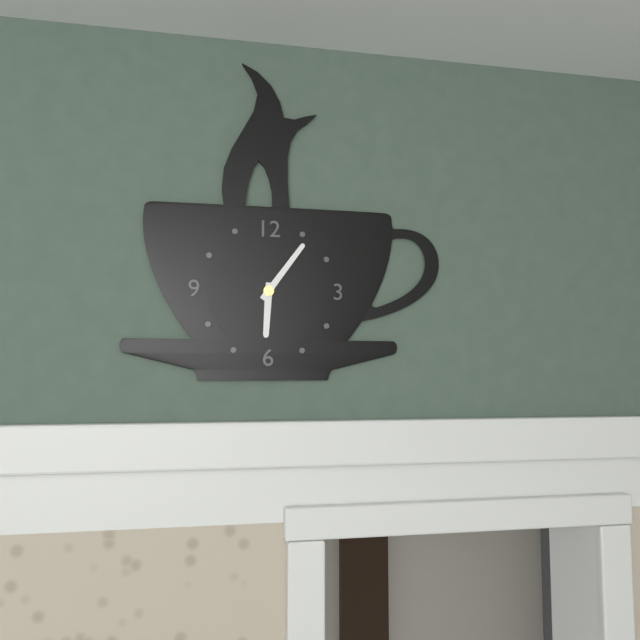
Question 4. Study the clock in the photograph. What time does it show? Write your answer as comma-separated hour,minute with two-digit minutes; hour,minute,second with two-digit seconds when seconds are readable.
6,06
